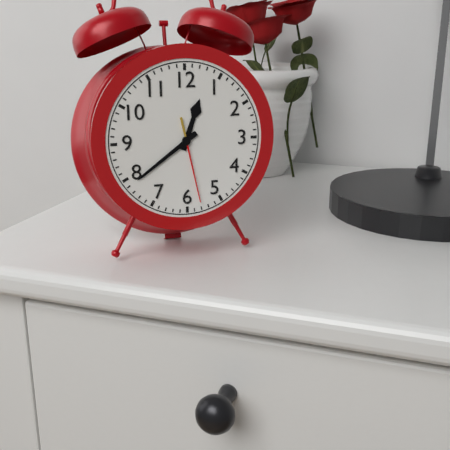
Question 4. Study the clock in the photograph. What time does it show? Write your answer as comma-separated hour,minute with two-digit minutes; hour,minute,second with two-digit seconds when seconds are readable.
12,39,28
